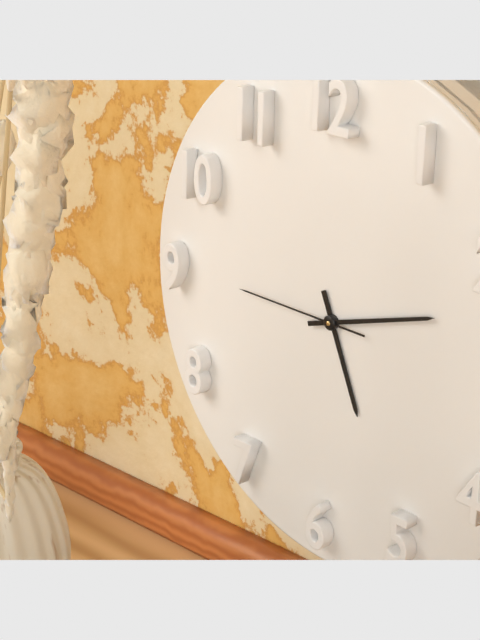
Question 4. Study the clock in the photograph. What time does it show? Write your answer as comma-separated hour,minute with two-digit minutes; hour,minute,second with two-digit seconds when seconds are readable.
5,12,45
